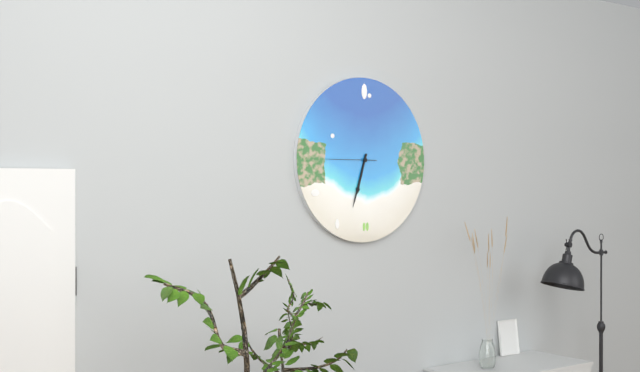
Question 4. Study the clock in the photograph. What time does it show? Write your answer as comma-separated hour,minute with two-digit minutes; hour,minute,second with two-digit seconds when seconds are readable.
6,33
